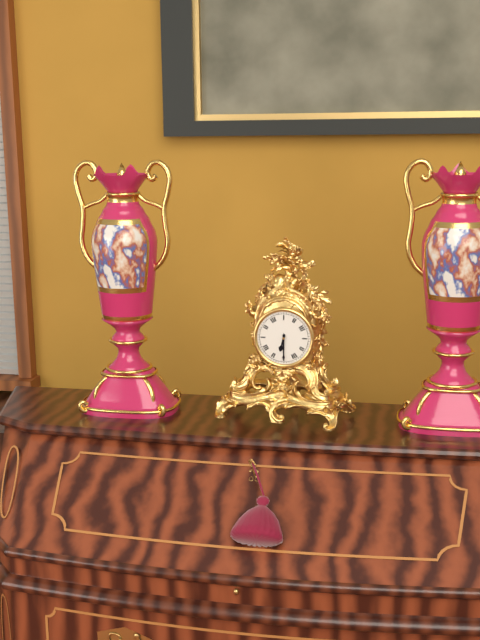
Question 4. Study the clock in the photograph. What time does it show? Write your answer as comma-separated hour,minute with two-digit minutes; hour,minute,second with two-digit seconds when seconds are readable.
6,30
